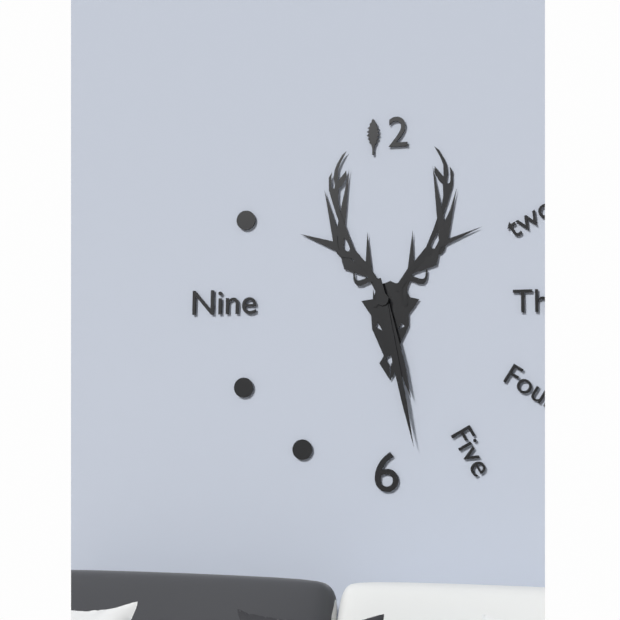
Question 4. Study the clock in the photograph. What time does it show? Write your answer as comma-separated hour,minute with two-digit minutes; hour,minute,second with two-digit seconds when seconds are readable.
5,28
